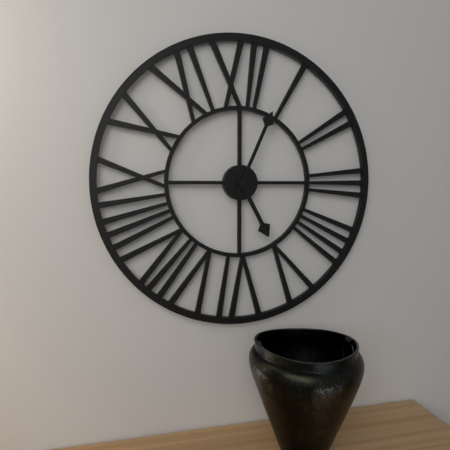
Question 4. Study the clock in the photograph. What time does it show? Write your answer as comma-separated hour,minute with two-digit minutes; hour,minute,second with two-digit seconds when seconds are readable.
5,04
